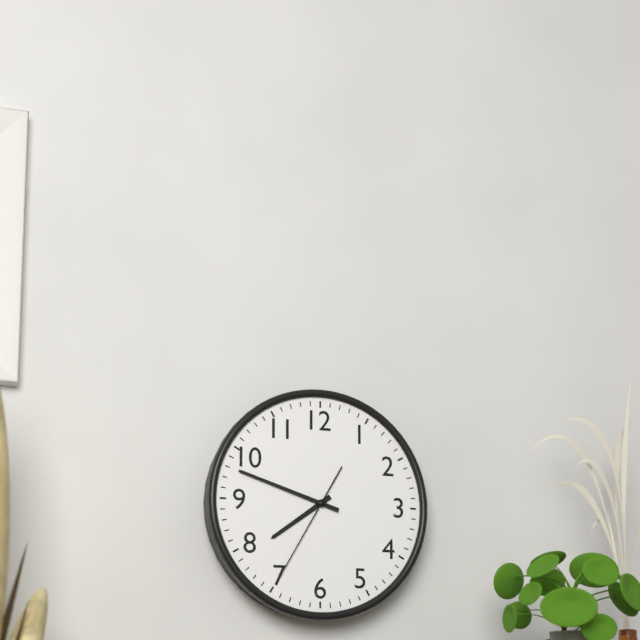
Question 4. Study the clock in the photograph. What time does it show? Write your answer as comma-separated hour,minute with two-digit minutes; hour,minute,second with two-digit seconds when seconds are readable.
7,48,35
